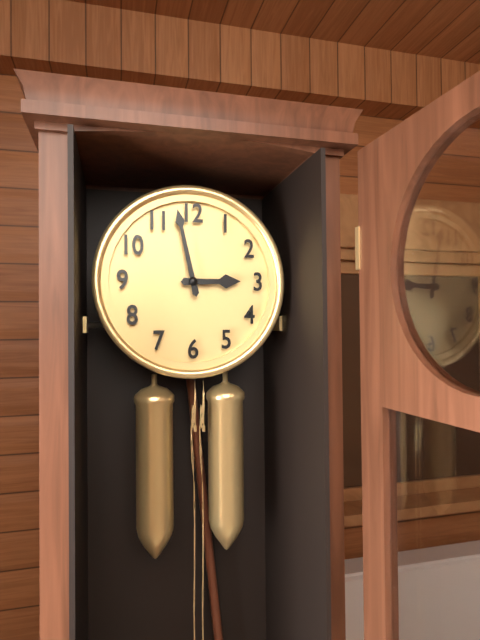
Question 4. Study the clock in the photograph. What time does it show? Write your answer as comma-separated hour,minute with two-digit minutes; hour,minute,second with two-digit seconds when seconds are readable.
2,58
